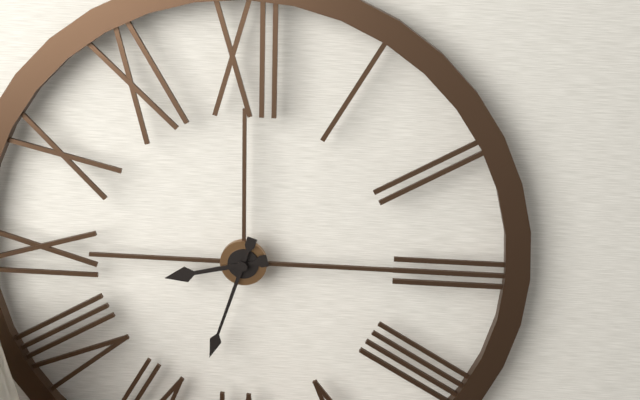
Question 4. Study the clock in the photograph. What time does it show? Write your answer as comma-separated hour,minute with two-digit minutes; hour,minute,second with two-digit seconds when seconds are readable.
8,33
